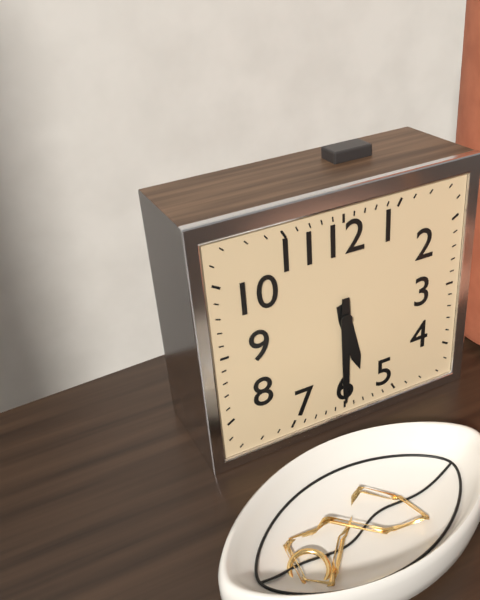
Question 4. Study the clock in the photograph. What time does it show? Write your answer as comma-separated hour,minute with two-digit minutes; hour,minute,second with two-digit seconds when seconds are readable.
5,30
